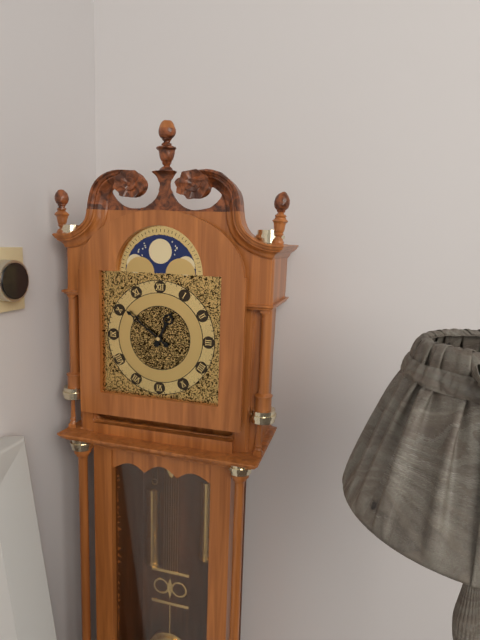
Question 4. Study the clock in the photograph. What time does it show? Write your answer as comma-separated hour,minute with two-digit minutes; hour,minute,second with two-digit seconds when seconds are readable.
12,51
